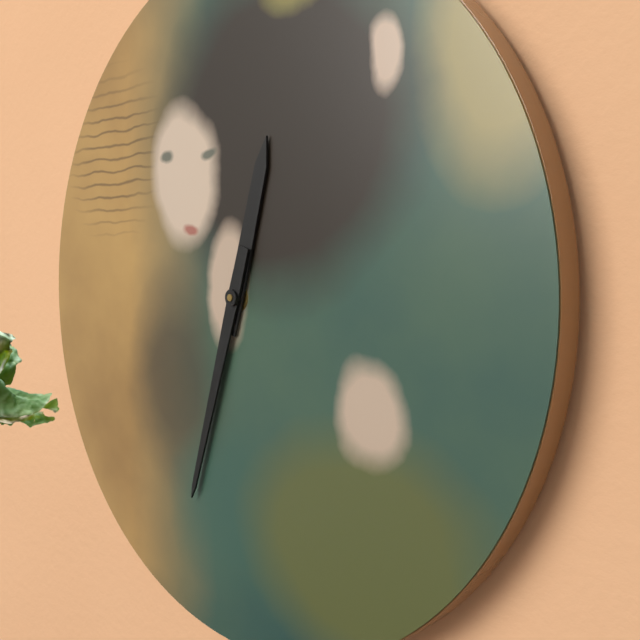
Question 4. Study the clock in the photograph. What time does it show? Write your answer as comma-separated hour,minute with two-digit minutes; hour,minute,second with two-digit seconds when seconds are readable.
12,33
